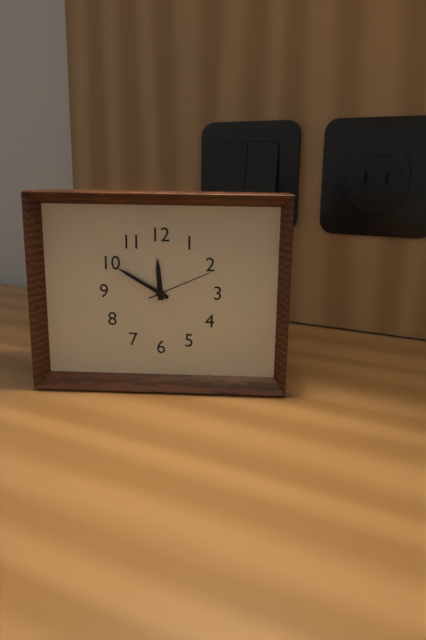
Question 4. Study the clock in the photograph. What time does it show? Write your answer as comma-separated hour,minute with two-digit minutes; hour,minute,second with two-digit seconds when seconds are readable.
11,50,11
